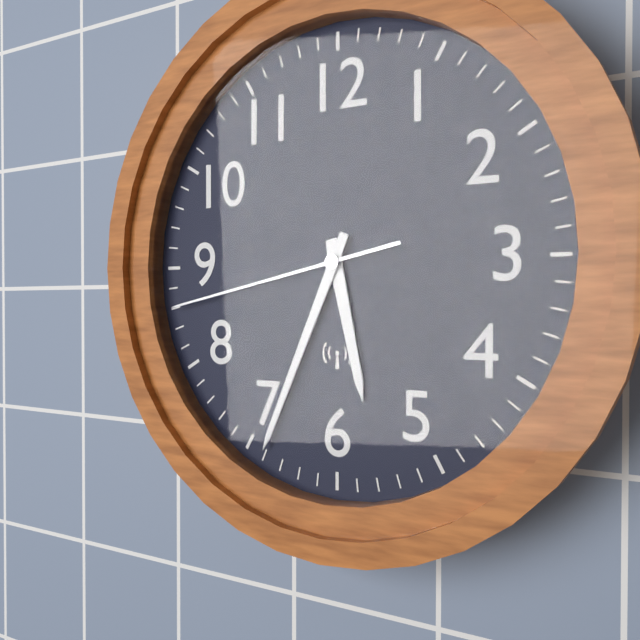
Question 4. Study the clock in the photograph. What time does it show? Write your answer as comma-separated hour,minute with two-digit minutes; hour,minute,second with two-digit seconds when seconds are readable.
5,34,43
